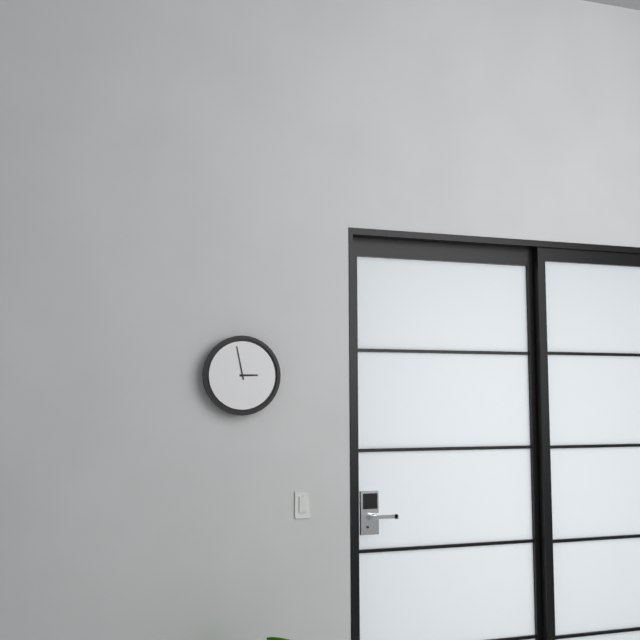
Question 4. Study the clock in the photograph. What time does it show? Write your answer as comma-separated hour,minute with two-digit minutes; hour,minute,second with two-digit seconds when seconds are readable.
2,58
